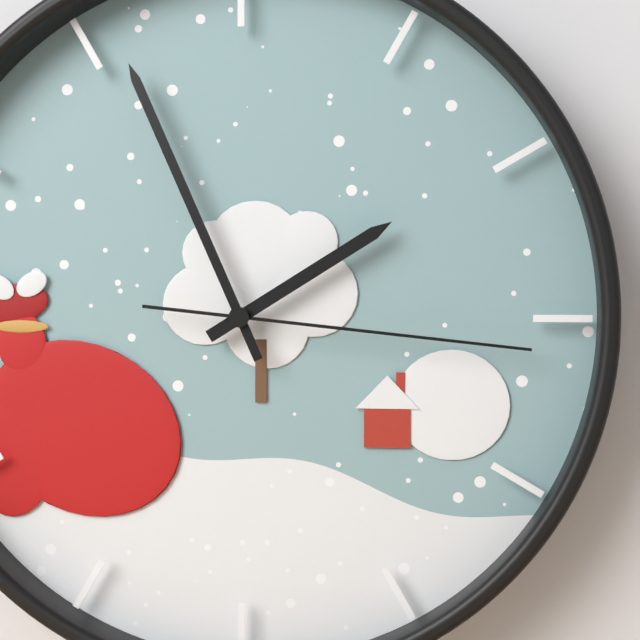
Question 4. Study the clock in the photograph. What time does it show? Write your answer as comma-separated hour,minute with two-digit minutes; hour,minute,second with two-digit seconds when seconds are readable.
1,56,16
